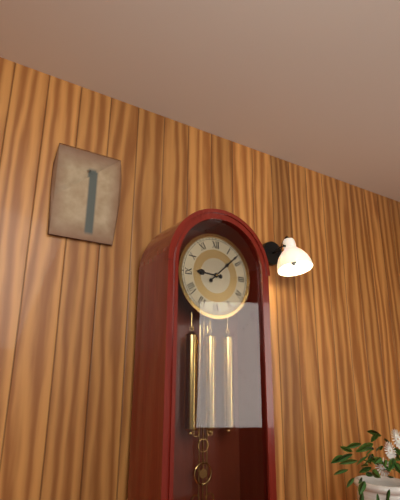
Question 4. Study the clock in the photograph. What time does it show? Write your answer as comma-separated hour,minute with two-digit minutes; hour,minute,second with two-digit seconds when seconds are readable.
9,08
